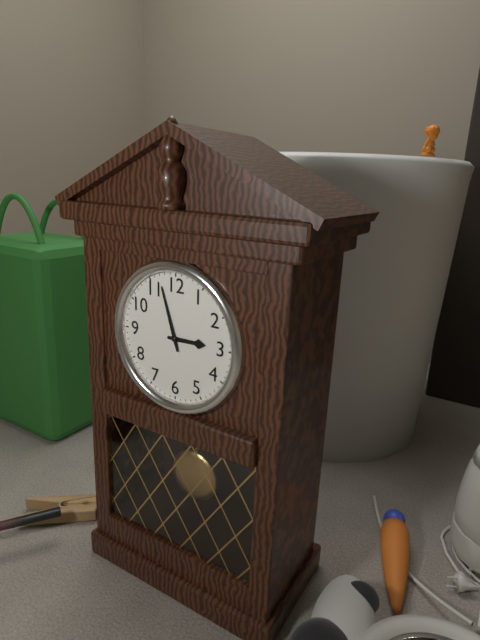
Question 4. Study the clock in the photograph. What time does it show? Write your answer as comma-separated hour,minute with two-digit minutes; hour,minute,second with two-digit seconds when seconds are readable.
2,57
